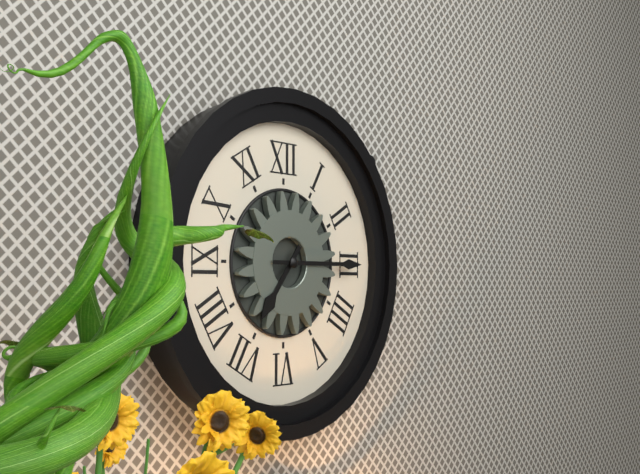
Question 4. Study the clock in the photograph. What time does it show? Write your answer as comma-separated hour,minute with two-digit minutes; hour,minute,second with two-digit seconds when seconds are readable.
7,15
